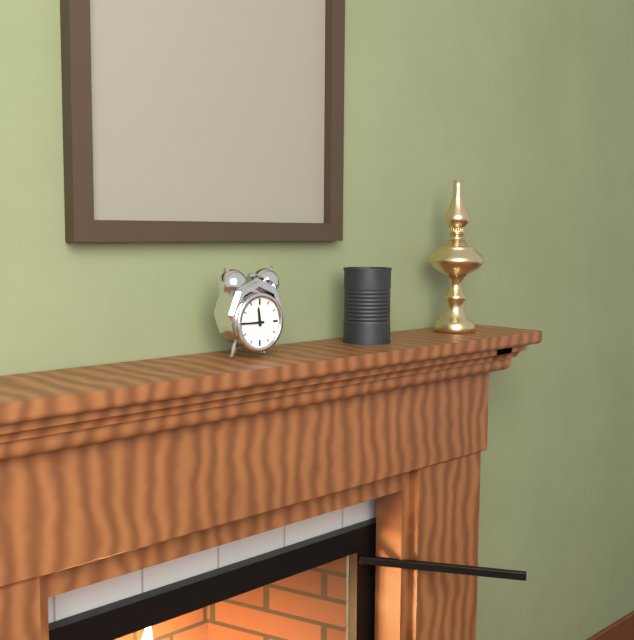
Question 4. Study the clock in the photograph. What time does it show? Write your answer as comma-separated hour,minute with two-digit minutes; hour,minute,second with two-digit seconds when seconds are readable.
11,45
